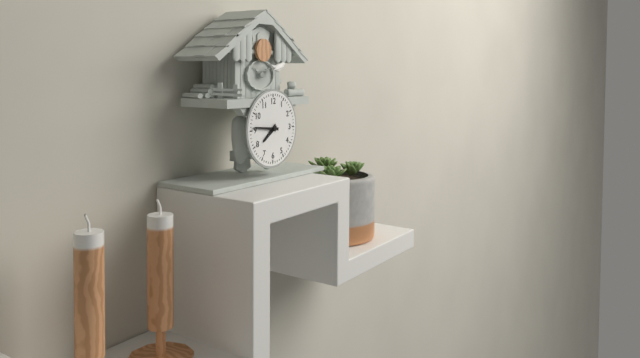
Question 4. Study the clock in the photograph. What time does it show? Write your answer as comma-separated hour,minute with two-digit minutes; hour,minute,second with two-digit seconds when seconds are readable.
7,46
